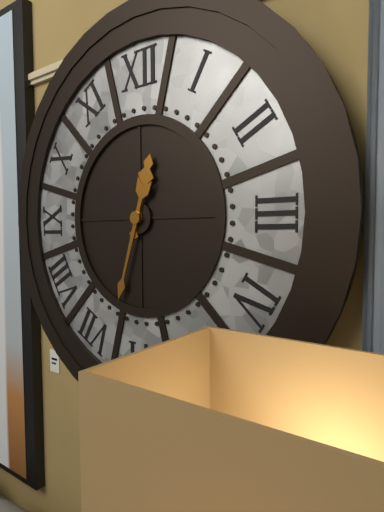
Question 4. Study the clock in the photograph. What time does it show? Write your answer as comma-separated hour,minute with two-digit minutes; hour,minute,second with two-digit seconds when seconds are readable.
12,33
